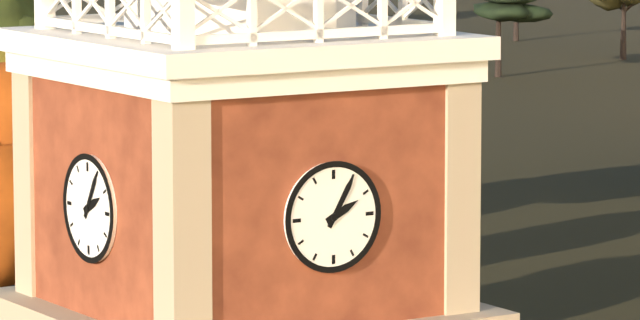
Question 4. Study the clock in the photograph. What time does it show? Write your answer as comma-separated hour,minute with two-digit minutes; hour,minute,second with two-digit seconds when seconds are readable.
2,05
